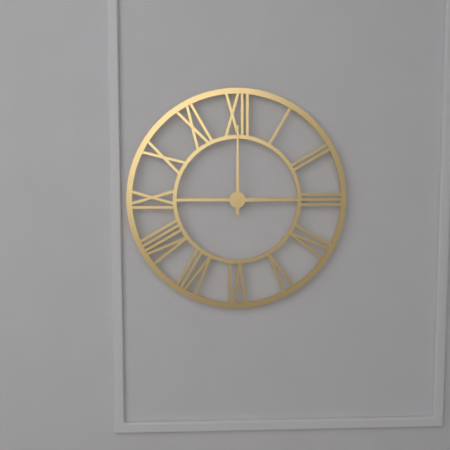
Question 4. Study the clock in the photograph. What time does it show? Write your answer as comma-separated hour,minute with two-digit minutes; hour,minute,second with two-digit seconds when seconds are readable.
3,00
